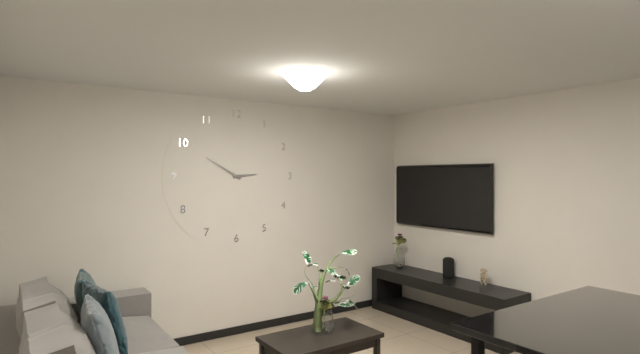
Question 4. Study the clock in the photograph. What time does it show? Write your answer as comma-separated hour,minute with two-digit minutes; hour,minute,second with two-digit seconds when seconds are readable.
2,50
